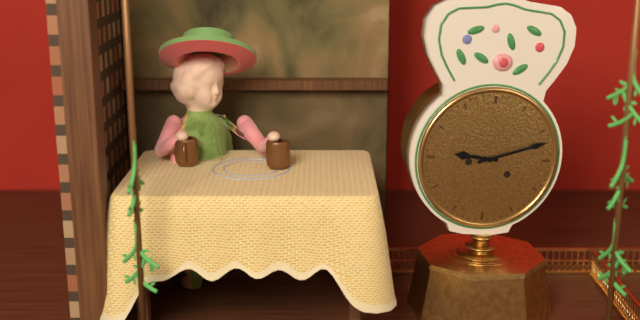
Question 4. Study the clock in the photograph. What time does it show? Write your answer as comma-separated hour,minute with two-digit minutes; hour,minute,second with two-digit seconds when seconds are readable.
9,12
